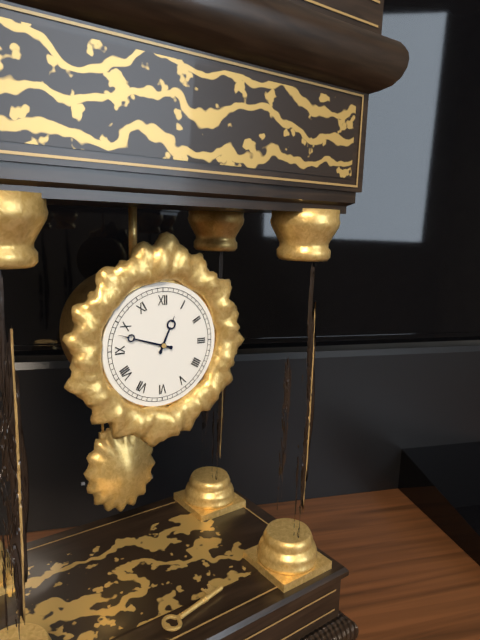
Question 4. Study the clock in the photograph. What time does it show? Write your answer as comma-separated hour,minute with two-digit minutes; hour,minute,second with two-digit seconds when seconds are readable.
12,48
